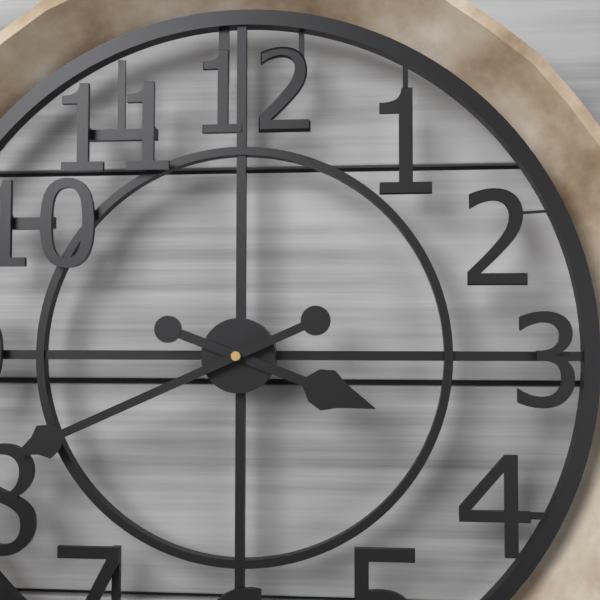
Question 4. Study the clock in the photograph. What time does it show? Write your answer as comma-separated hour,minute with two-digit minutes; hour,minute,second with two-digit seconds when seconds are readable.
3,41
